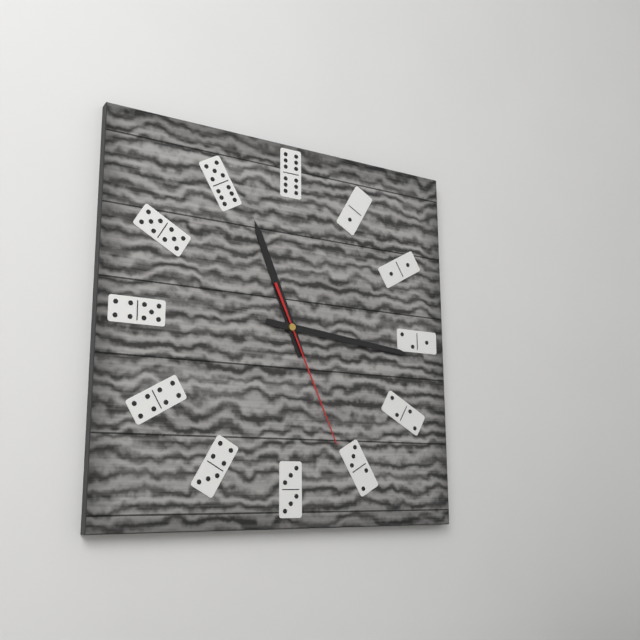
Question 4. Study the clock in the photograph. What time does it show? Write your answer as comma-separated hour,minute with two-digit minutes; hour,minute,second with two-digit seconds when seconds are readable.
11,16,26
